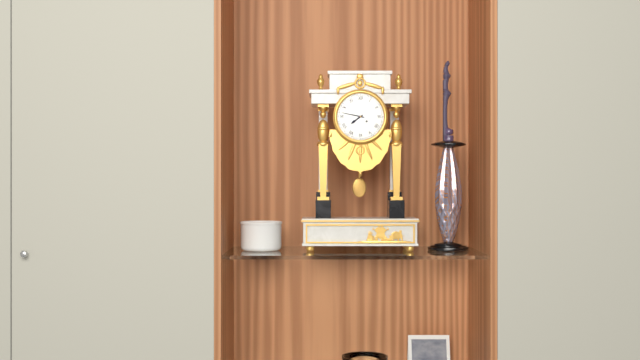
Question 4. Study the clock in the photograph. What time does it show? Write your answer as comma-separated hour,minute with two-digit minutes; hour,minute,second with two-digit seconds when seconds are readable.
7,47
